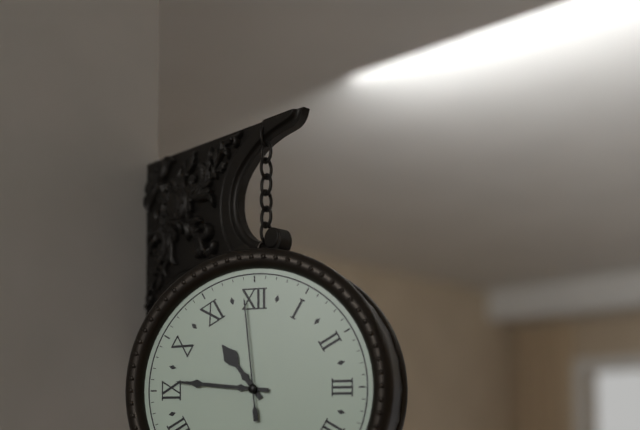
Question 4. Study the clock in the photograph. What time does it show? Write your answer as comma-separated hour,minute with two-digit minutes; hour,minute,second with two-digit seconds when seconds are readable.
10,46,59
